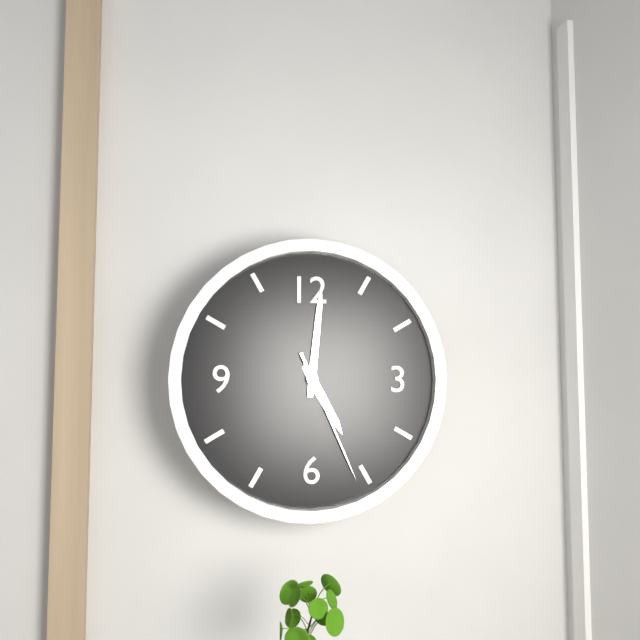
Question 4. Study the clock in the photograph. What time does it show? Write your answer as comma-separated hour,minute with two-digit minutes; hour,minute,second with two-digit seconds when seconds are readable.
5,01,26
